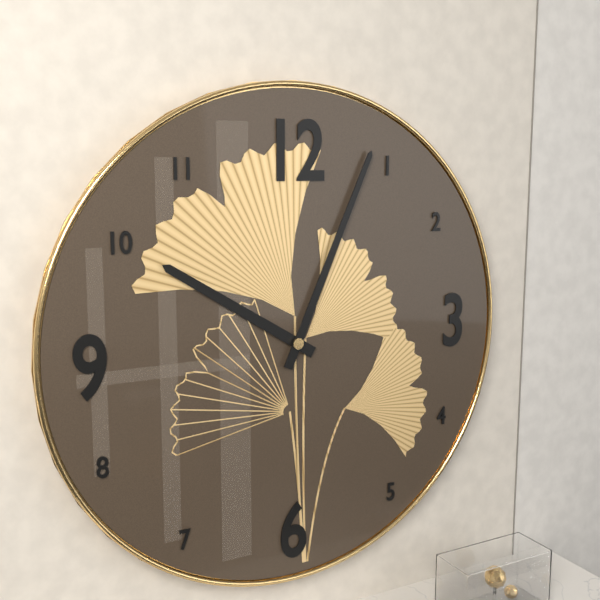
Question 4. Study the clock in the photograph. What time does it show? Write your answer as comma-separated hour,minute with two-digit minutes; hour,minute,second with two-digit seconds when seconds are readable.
10,04
